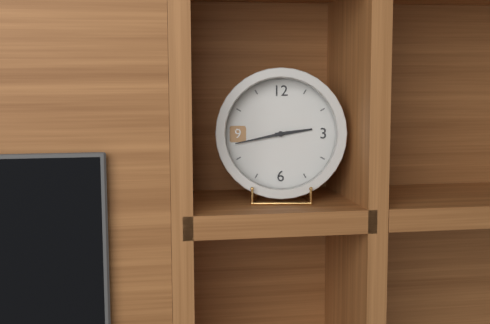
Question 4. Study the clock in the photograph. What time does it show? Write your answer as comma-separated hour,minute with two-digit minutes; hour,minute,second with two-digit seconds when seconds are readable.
2,43
